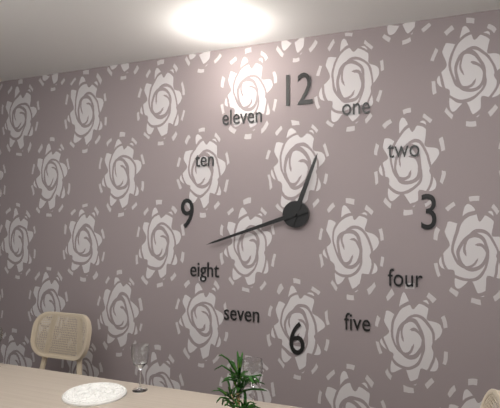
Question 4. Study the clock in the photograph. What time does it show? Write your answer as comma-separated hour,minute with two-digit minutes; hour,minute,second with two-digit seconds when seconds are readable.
12,42
